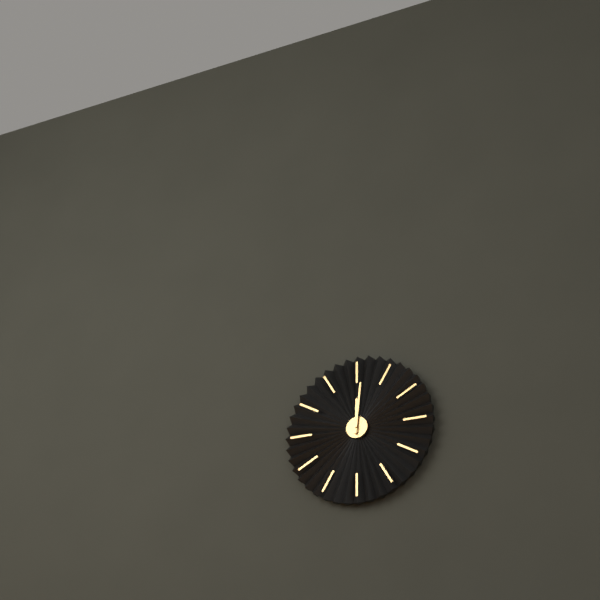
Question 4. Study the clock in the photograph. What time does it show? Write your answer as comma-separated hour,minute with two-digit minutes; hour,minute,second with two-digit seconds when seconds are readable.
12,01
